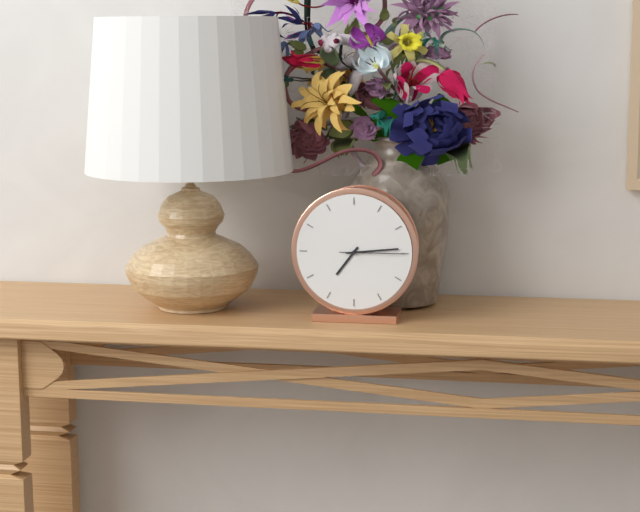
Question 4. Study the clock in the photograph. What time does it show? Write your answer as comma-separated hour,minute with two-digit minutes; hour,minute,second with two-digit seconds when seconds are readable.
7,14,15
